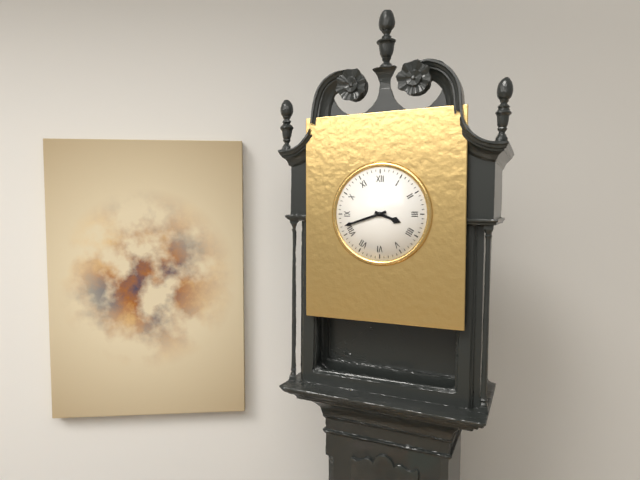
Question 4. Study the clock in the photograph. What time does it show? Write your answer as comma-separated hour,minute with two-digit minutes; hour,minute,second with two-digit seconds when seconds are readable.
3,42
